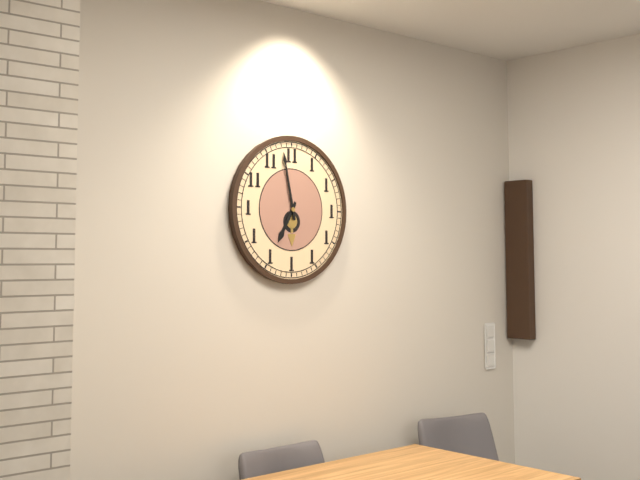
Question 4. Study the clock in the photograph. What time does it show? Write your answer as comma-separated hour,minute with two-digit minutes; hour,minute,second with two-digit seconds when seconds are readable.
6,58
